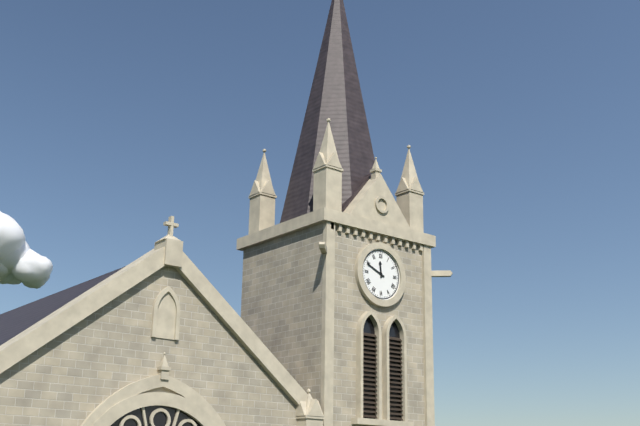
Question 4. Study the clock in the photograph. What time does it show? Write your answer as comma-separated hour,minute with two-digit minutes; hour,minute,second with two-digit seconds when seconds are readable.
11,49
